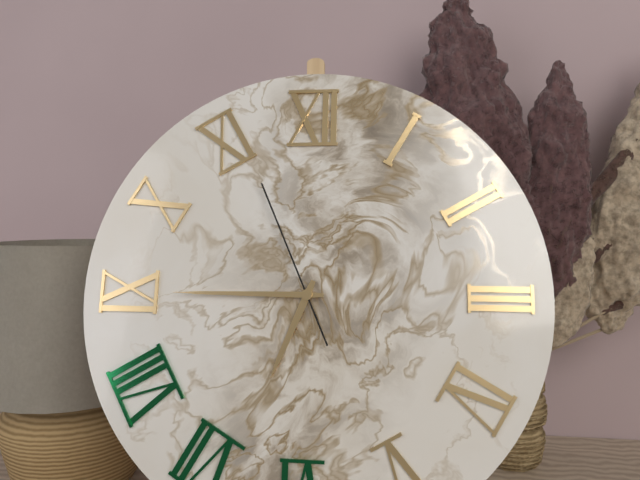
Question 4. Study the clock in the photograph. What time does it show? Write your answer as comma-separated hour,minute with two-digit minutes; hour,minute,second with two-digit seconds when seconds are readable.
6,45,56
